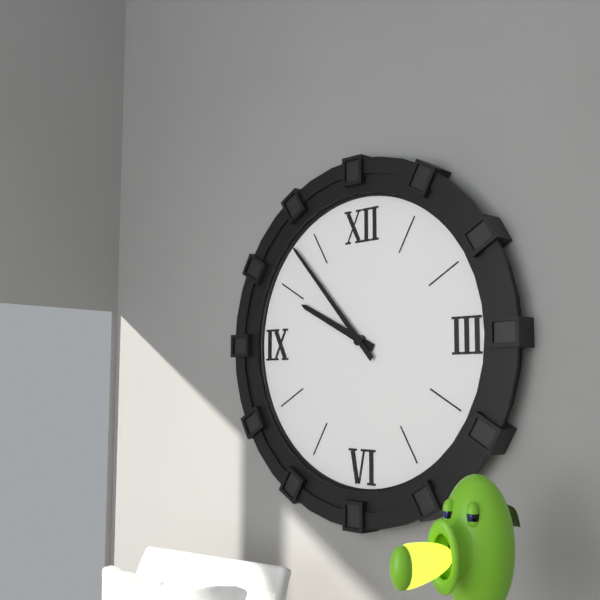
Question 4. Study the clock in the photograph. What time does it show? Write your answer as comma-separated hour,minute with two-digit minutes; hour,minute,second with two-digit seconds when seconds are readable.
9,53
